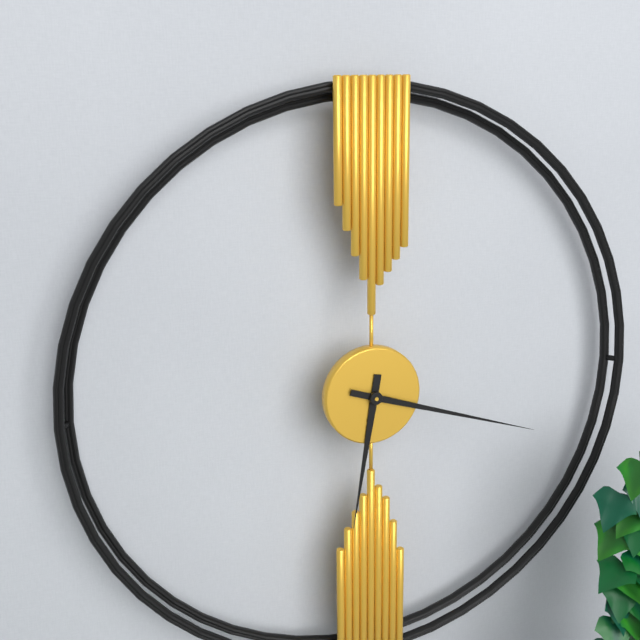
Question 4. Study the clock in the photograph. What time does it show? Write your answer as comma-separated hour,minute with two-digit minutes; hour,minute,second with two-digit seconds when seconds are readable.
6,18
